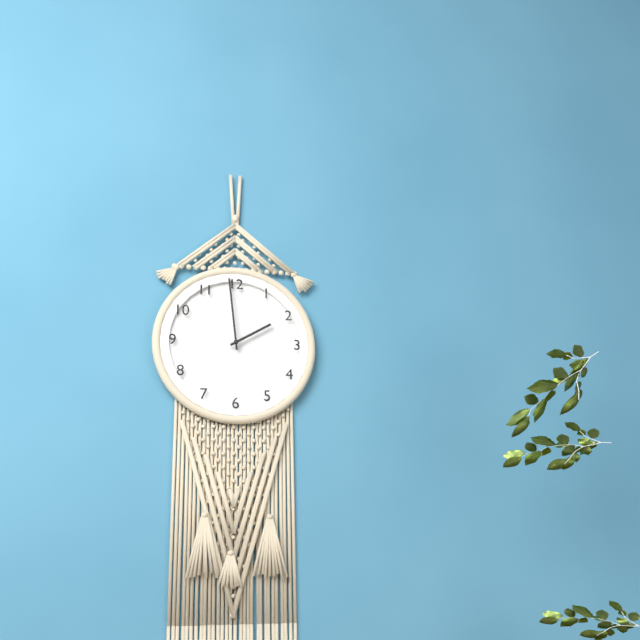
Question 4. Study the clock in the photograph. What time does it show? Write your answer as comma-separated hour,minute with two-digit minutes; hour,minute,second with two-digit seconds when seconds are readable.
1,59
